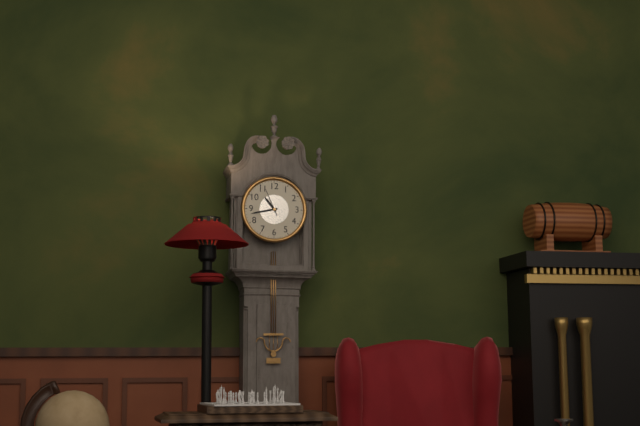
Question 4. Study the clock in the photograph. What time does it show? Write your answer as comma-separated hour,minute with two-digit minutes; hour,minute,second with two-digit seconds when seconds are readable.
10,43
